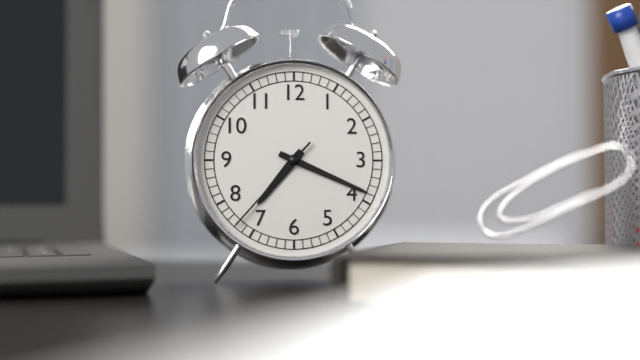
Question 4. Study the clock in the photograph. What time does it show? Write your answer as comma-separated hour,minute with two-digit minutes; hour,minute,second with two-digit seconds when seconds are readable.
7,19,37
